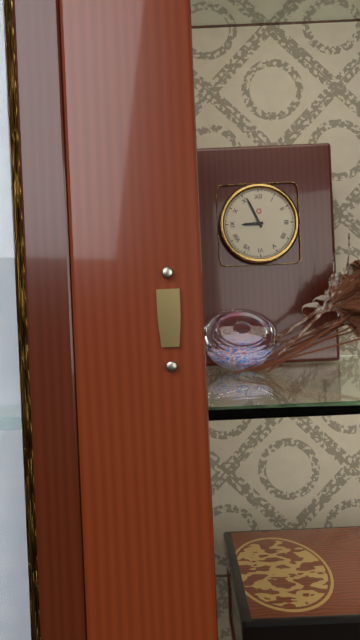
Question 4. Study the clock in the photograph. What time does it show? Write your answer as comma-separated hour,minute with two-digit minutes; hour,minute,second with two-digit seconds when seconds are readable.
8,56
